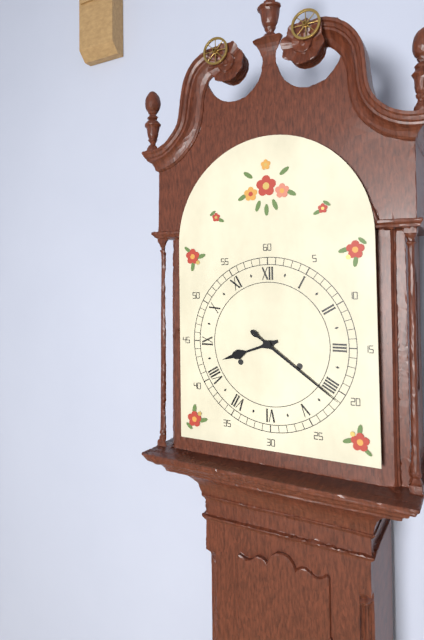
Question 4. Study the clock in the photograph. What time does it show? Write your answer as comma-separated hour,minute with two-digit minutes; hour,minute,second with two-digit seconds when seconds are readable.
8,21
